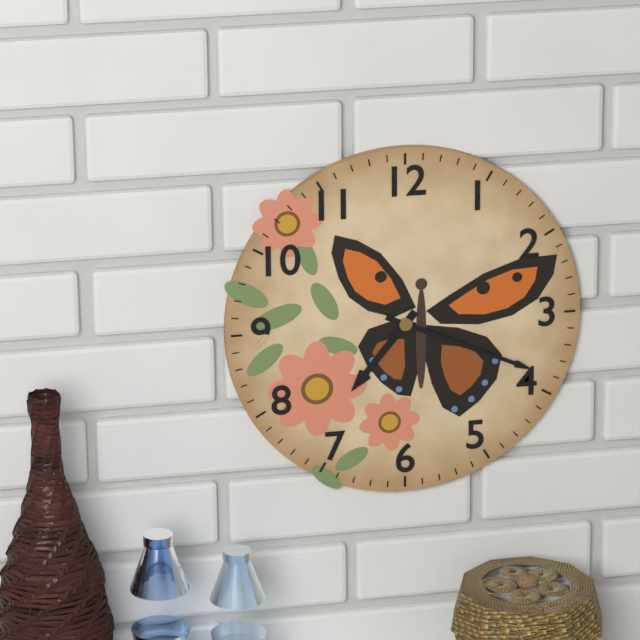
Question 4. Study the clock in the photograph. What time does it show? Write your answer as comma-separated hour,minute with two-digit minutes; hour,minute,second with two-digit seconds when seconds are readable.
7,19
